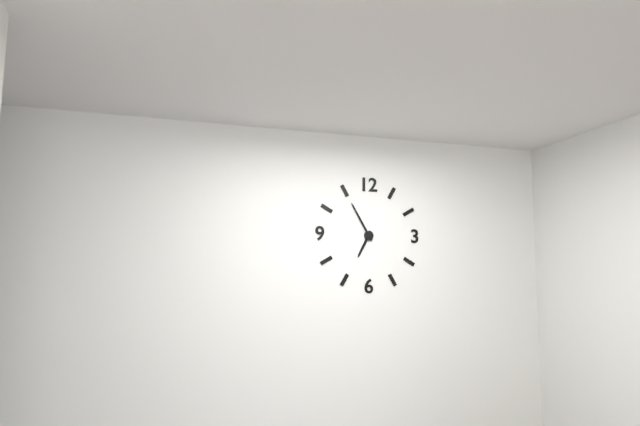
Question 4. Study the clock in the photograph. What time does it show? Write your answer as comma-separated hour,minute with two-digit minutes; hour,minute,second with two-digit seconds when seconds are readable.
6,55
